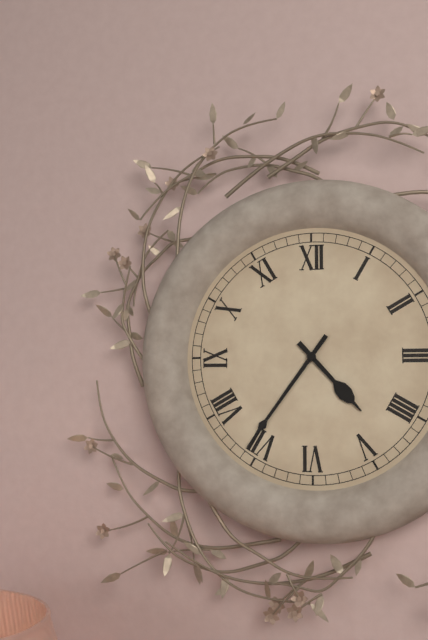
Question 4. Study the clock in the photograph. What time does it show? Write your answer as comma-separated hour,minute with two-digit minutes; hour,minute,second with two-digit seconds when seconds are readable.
4,36
